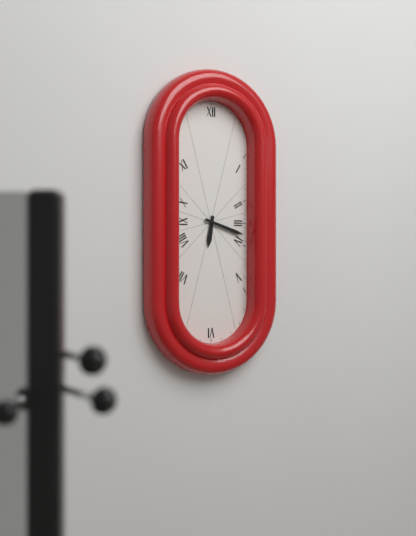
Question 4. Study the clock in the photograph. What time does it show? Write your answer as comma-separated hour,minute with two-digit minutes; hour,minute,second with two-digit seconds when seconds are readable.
6,18
